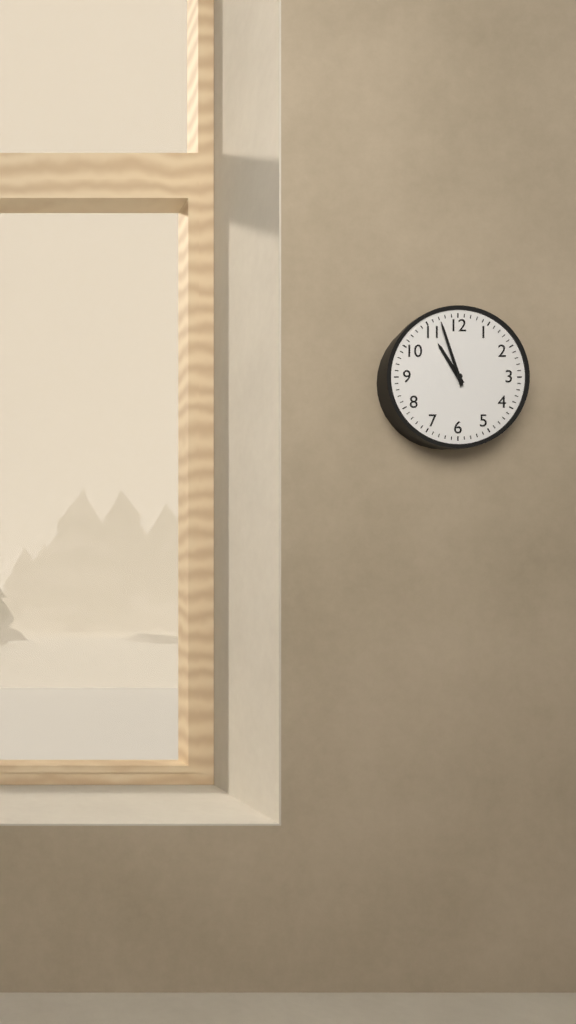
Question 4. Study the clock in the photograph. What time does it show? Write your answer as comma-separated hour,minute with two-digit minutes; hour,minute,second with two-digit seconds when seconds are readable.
10,57
